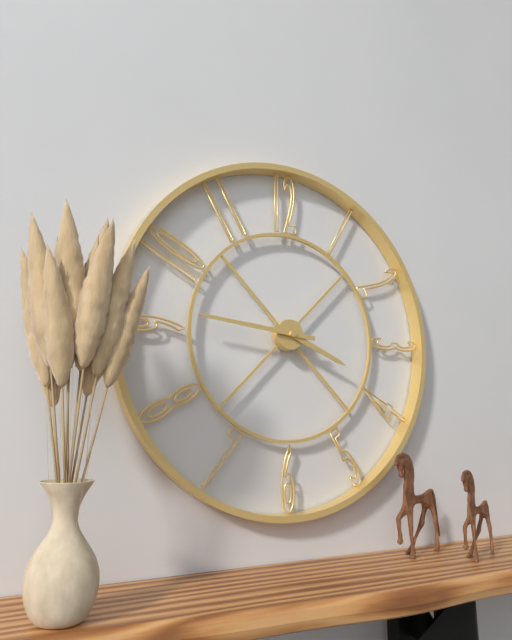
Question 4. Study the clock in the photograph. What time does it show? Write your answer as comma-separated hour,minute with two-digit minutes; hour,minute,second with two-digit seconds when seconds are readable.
3,46
